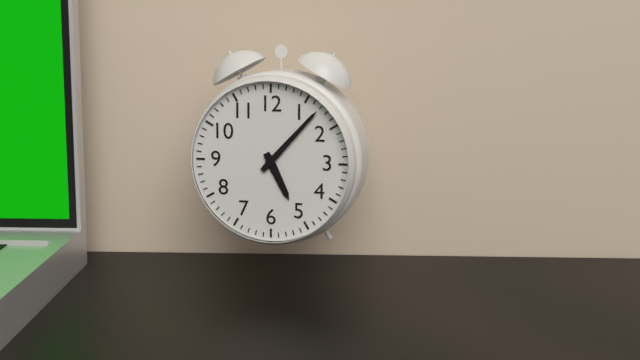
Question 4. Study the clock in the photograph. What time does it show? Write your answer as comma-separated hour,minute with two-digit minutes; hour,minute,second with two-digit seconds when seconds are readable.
5,07
